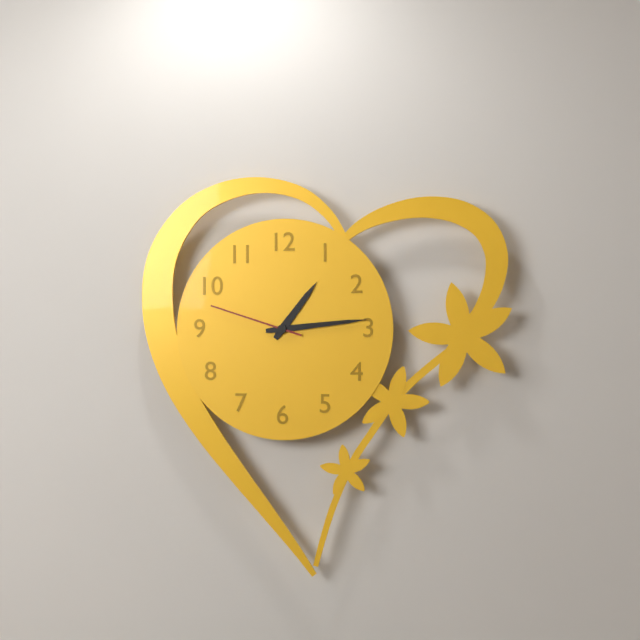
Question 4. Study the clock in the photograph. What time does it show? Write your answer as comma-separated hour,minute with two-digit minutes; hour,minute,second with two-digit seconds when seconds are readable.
1,14,48
